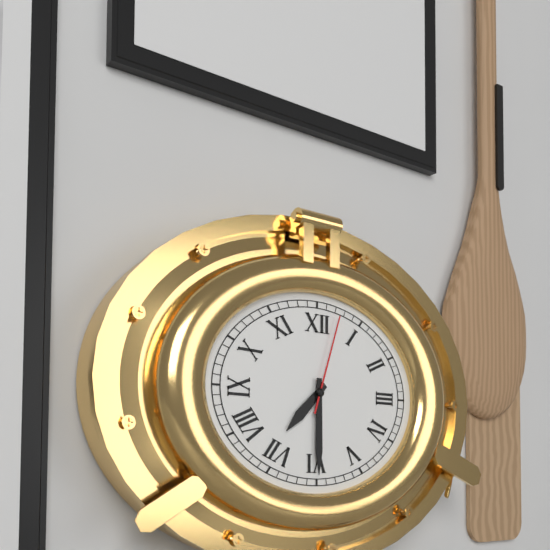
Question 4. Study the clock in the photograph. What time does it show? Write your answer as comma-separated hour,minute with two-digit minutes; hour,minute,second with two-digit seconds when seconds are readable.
7,30,03
